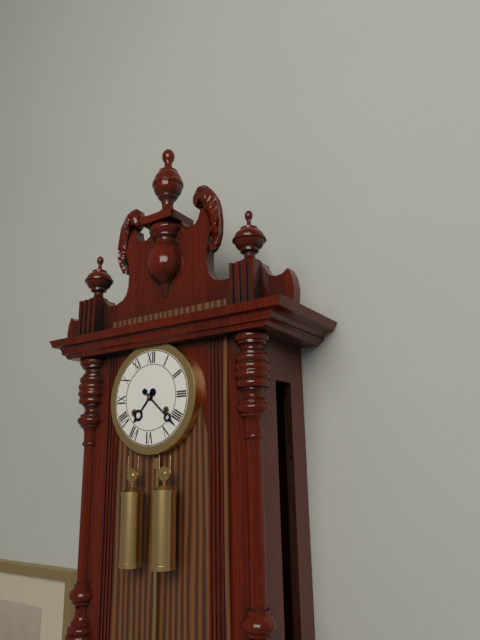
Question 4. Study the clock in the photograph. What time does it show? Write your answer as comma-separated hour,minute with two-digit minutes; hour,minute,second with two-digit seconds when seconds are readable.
7,22
